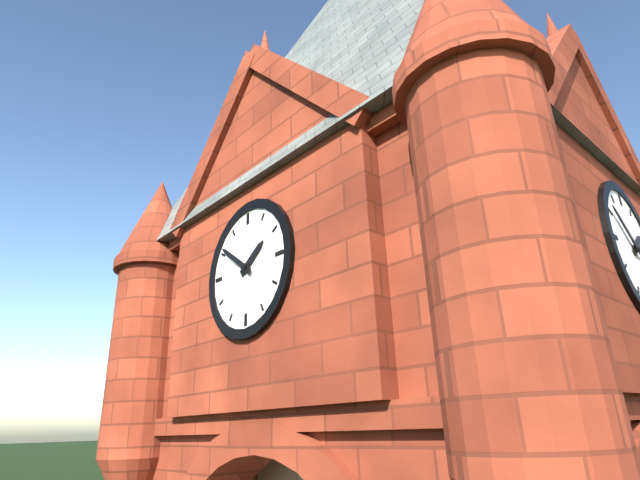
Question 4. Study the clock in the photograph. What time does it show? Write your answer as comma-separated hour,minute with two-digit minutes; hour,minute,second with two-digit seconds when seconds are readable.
1,51
